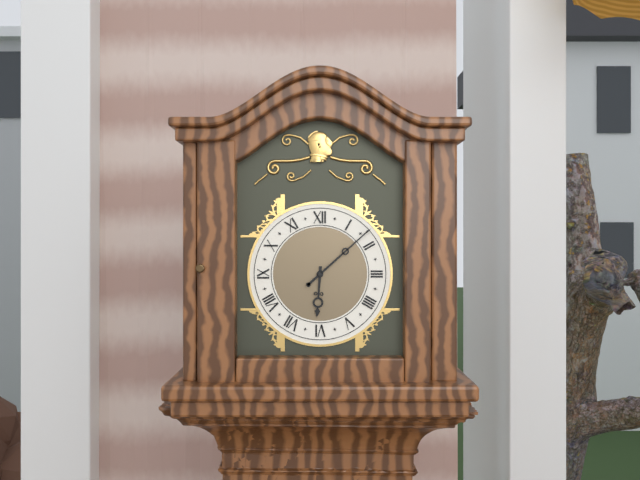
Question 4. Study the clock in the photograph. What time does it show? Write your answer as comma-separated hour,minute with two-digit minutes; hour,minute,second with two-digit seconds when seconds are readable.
6,08
